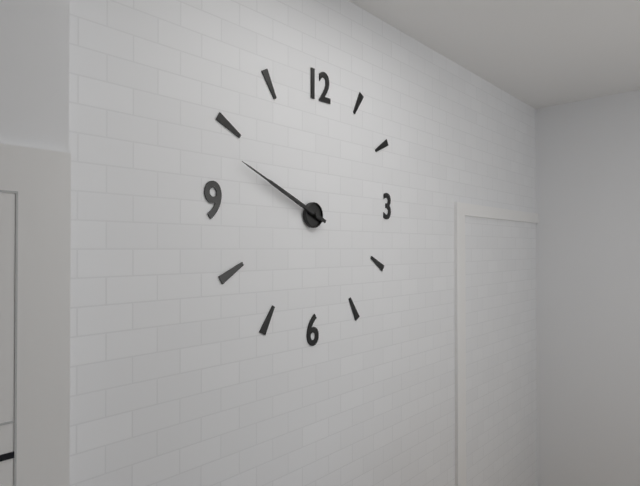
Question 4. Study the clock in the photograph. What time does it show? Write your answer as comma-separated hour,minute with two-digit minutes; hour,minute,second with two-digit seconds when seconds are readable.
9,49
